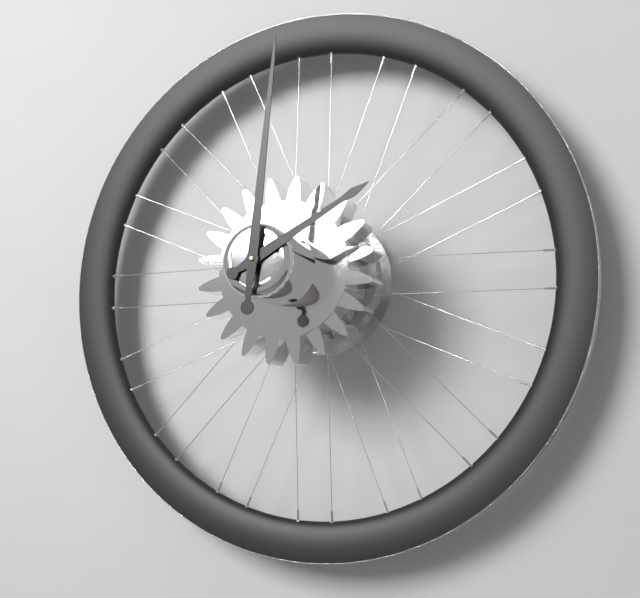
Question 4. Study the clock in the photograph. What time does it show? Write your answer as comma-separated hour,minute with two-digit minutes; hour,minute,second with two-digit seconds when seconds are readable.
2,01
